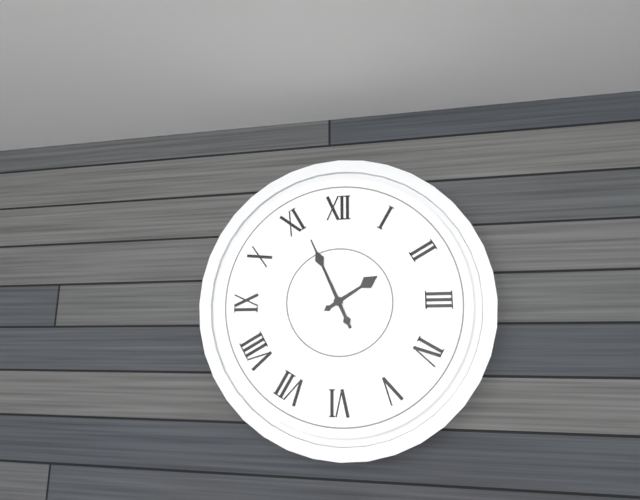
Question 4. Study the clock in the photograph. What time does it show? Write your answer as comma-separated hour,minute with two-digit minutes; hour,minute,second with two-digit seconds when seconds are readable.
1,56
